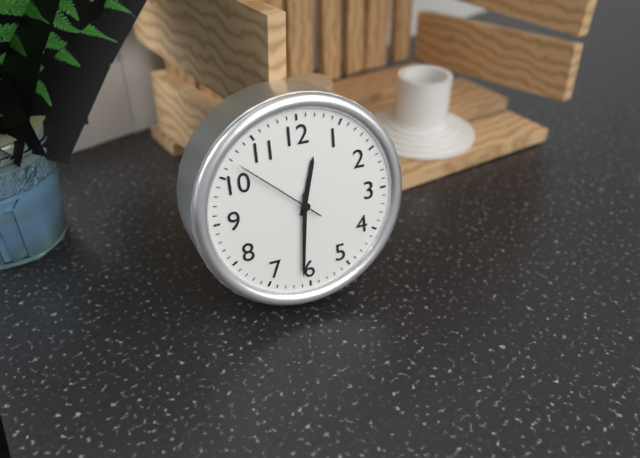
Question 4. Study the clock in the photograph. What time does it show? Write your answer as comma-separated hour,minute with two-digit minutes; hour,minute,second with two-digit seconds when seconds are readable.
12,31,52
